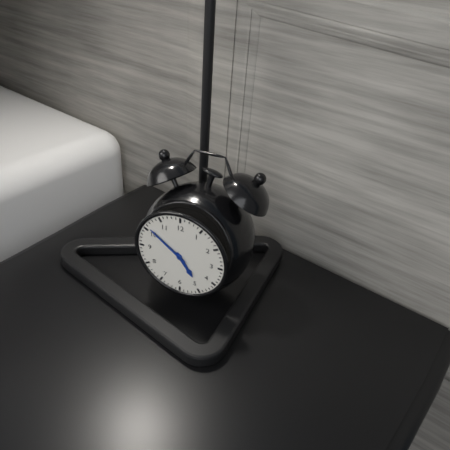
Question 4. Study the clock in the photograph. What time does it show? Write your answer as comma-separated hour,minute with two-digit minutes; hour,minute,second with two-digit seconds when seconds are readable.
4,51
